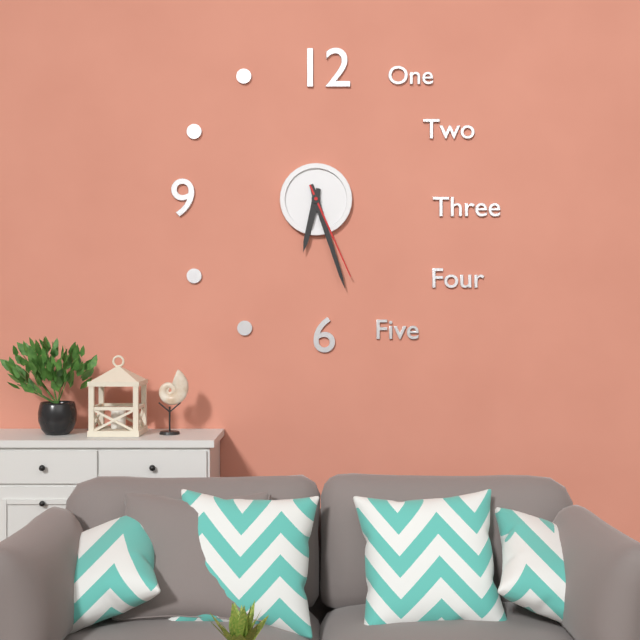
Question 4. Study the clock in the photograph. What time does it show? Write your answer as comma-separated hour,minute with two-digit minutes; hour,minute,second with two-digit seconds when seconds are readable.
6,27,26
